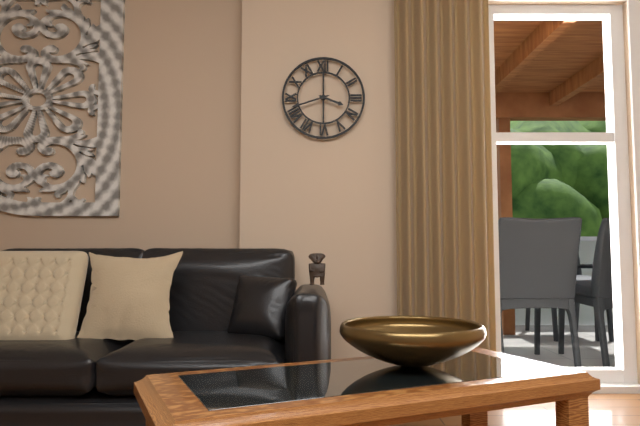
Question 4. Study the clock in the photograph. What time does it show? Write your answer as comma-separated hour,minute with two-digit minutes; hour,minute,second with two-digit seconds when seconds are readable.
3,42
